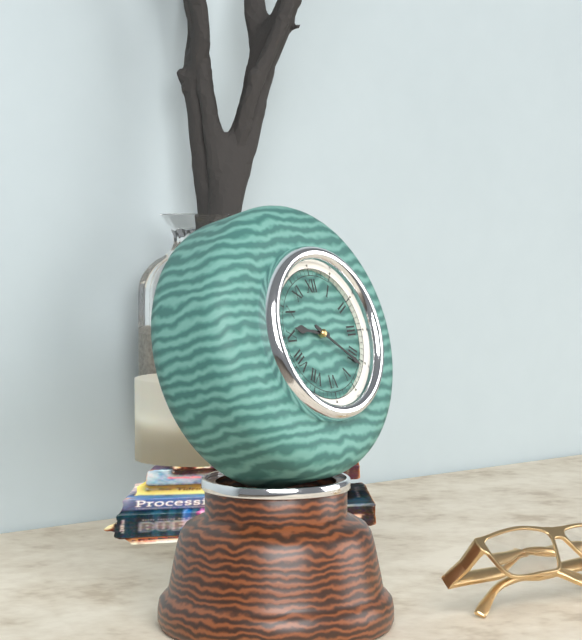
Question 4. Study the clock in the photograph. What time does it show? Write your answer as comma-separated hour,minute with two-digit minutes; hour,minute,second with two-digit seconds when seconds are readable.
9,21
